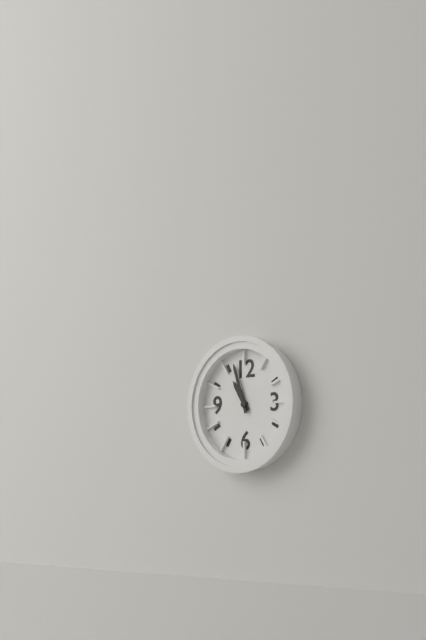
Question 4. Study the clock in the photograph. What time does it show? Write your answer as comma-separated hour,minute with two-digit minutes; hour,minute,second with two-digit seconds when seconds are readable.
10,57
